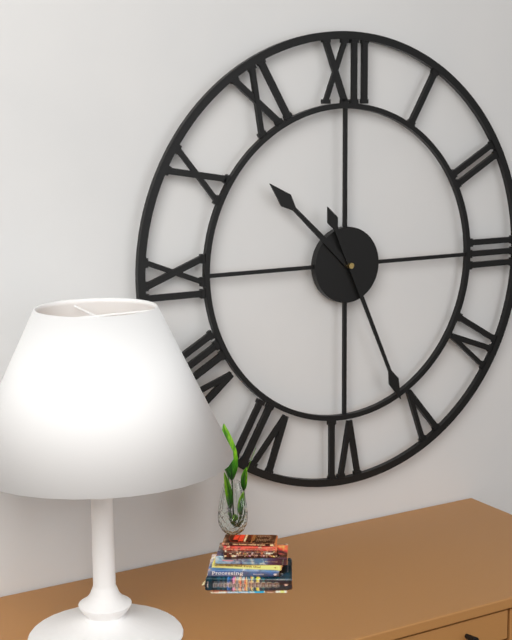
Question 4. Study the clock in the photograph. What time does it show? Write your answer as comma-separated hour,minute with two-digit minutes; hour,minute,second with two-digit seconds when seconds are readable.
10,26
